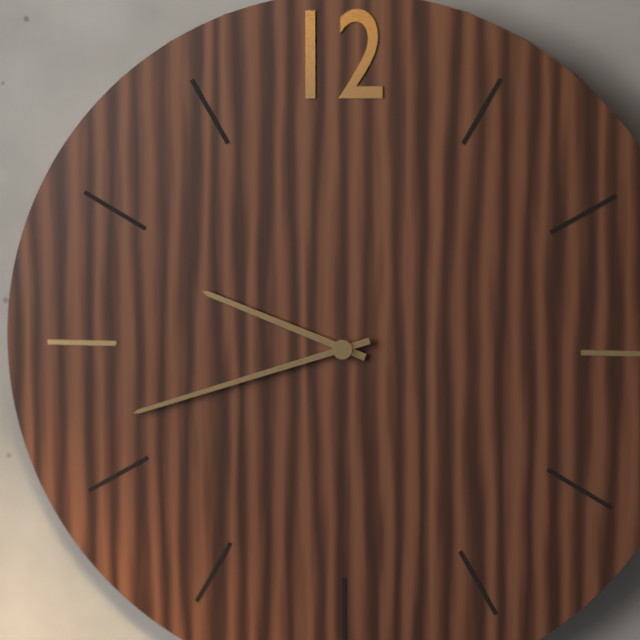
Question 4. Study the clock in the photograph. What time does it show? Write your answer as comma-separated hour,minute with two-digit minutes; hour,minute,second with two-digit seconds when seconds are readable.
9,42
